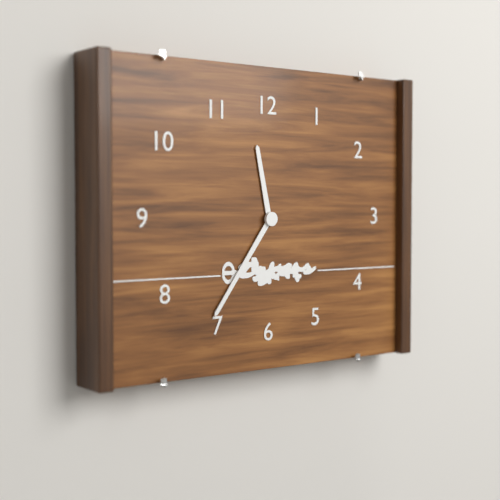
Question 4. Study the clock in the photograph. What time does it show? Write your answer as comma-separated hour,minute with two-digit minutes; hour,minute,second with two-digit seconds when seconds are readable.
11,36
